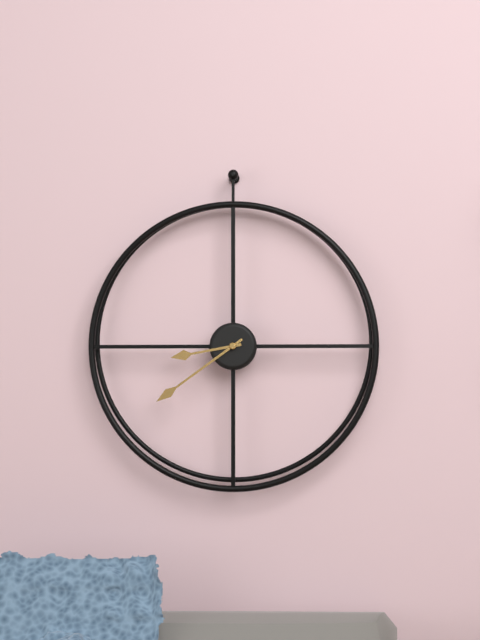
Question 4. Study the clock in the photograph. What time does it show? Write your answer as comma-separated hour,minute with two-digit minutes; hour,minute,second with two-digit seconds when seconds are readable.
8,39
